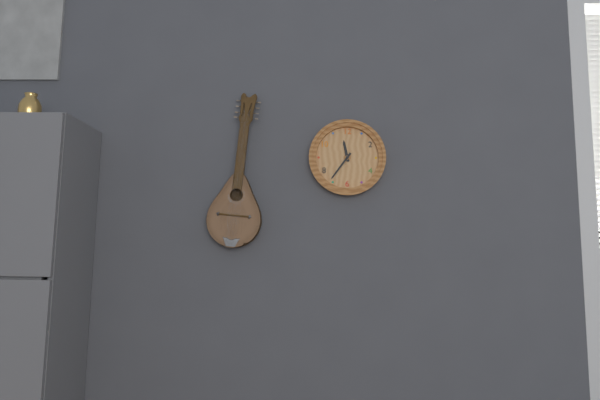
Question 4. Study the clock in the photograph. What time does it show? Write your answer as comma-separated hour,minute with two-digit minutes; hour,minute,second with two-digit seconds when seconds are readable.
11,36
